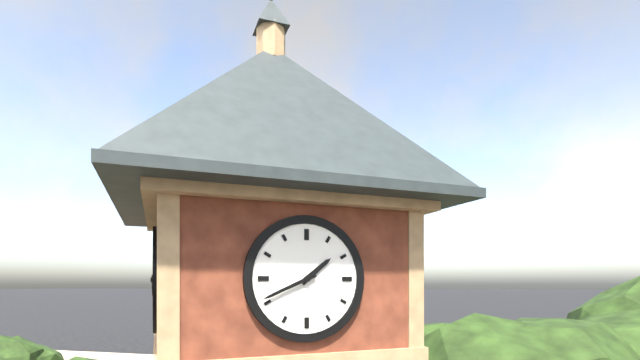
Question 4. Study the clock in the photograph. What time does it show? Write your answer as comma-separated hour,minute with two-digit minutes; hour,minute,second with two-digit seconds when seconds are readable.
1,41
